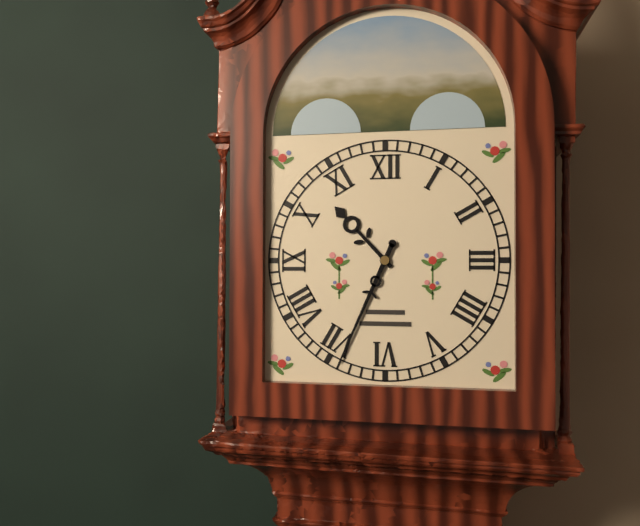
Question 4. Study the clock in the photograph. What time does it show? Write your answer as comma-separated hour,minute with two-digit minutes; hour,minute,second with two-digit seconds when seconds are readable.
10,34
